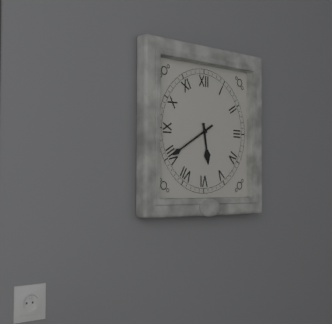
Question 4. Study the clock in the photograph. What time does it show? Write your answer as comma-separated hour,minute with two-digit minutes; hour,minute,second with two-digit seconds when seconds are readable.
5,40
